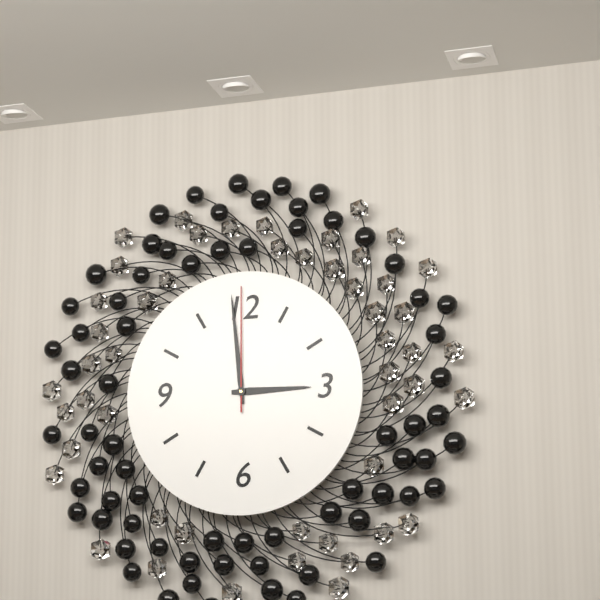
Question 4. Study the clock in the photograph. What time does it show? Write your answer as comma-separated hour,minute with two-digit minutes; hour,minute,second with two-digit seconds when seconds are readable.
2,59,00
